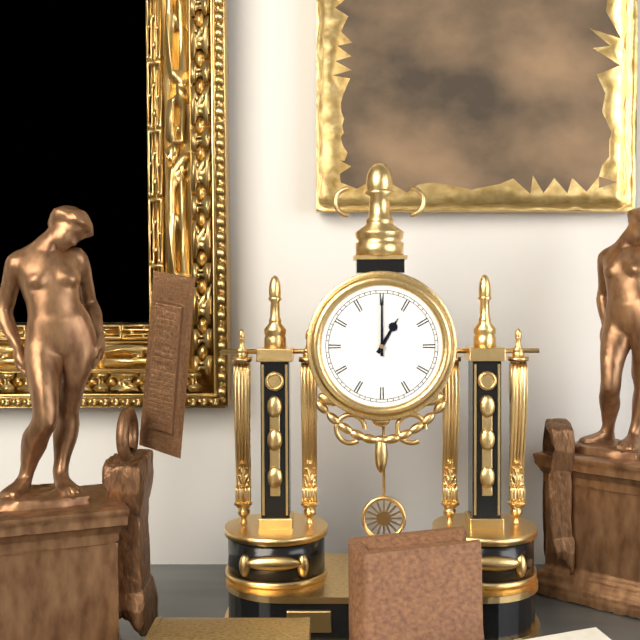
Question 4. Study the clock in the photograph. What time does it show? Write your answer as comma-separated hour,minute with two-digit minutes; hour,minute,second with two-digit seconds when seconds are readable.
1,00
